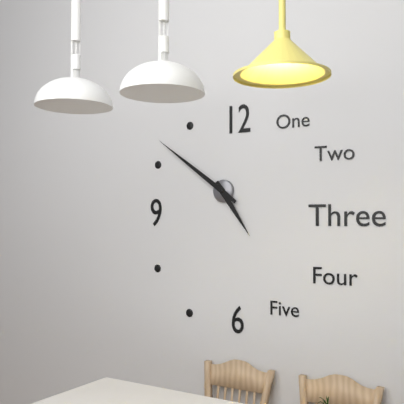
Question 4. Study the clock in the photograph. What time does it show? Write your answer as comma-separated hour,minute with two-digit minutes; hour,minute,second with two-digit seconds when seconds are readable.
4,51
